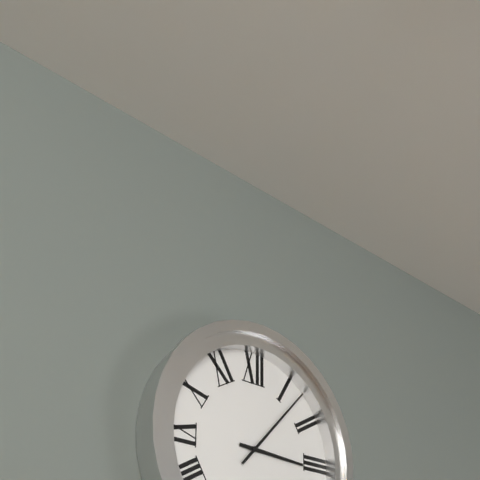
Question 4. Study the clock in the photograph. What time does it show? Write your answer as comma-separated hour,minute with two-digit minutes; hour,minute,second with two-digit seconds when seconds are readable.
3,07
